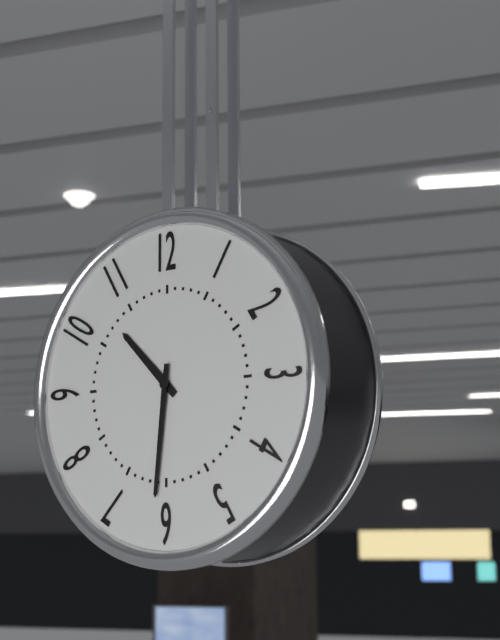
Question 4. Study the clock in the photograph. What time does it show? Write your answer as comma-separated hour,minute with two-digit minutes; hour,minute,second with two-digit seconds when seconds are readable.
10,31
